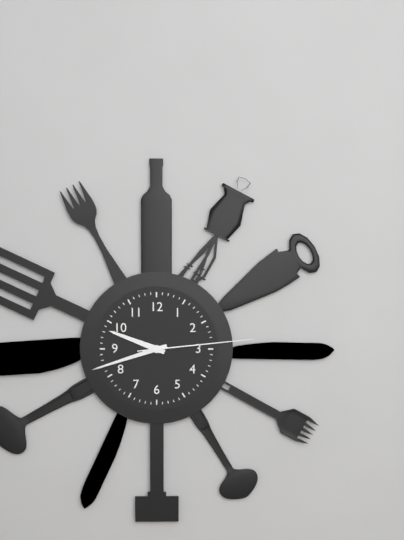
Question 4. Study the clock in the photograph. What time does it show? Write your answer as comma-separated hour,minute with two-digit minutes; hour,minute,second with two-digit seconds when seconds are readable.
9,42,14
